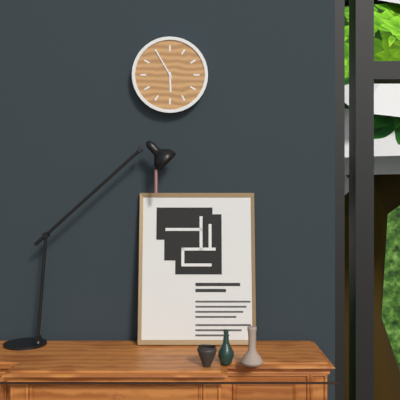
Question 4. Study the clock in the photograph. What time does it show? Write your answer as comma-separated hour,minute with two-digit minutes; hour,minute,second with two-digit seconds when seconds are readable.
5,55
